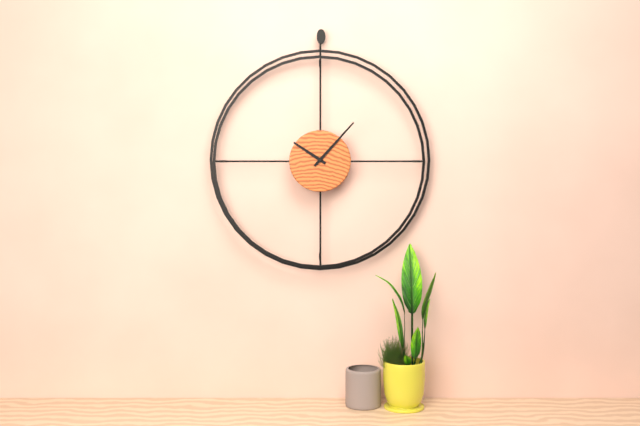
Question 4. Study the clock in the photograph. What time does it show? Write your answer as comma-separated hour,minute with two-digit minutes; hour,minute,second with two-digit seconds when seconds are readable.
10,07
